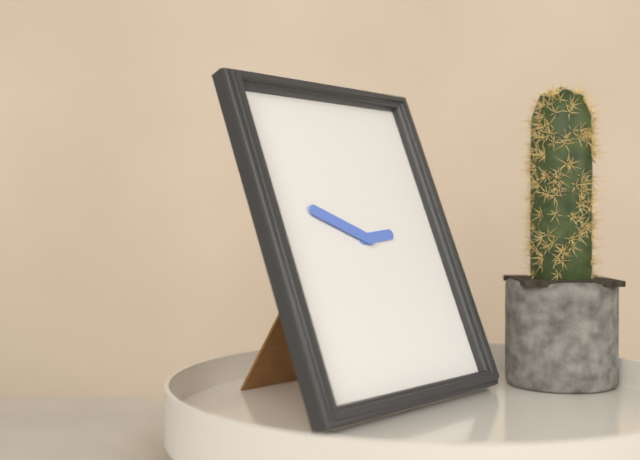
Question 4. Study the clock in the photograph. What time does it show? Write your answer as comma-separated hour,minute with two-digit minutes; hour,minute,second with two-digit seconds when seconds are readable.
2,49
